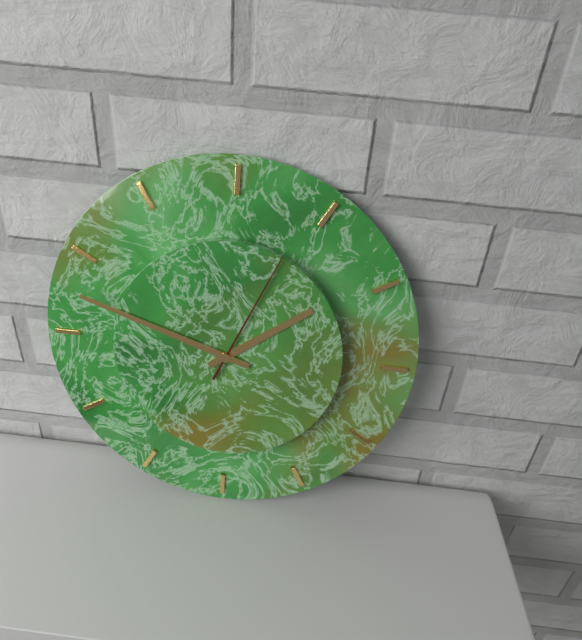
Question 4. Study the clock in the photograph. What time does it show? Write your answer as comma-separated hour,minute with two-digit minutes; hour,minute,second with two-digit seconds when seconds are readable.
1,48,04
